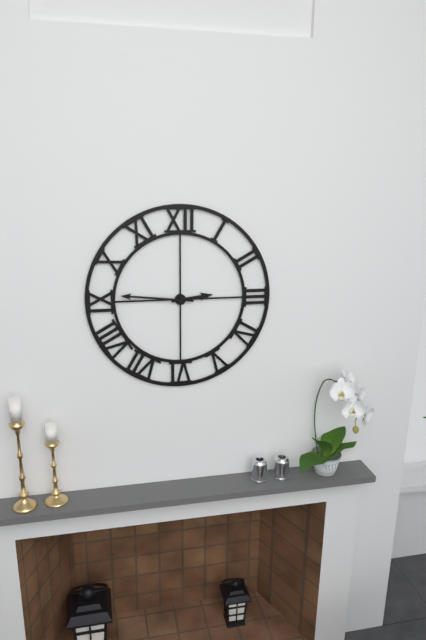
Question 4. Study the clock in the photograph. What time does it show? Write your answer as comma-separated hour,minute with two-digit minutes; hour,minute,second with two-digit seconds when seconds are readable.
2,46
